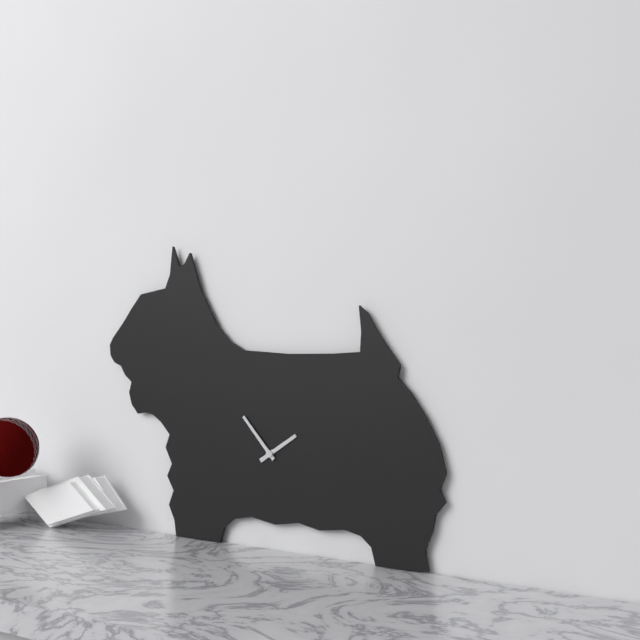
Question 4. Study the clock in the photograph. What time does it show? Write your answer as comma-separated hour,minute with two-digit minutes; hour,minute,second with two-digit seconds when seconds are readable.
1,53
